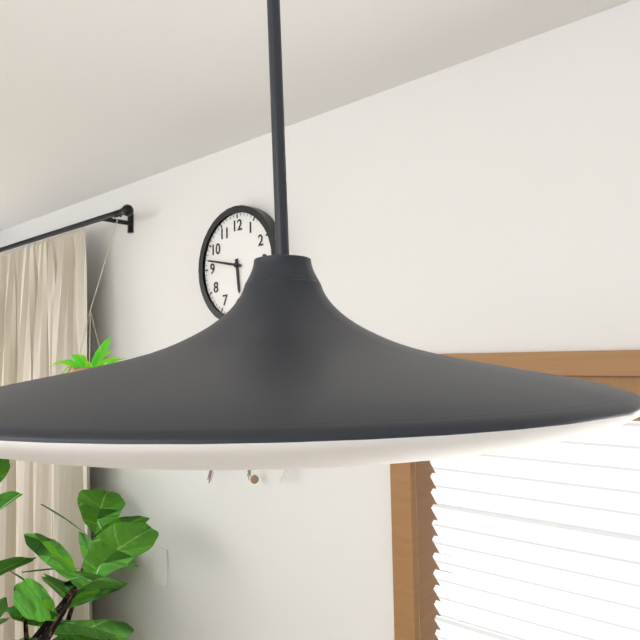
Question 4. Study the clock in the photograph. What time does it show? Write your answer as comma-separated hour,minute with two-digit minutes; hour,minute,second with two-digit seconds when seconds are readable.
5,47
